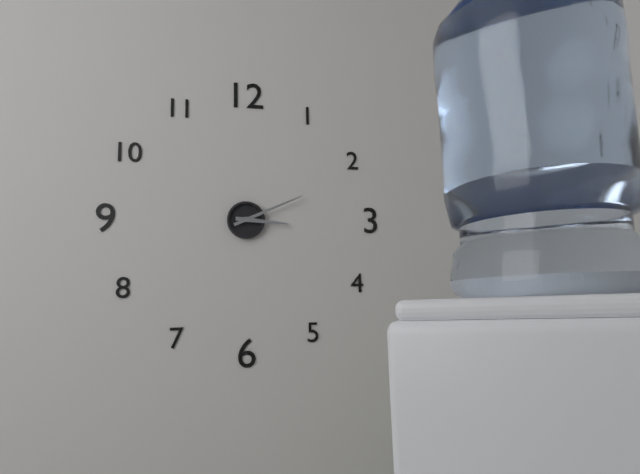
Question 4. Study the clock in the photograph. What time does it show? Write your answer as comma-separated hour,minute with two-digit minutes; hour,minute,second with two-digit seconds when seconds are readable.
3,11
